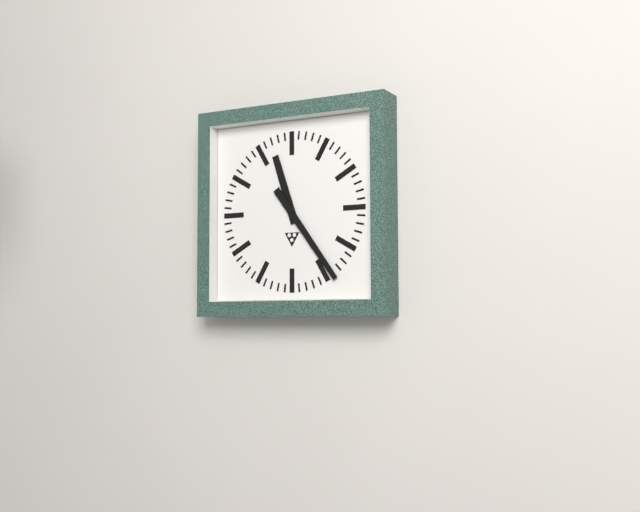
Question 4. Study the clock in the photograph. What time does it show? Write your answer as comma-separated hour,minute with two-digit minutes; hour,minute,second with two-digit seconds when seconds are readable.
11,24
